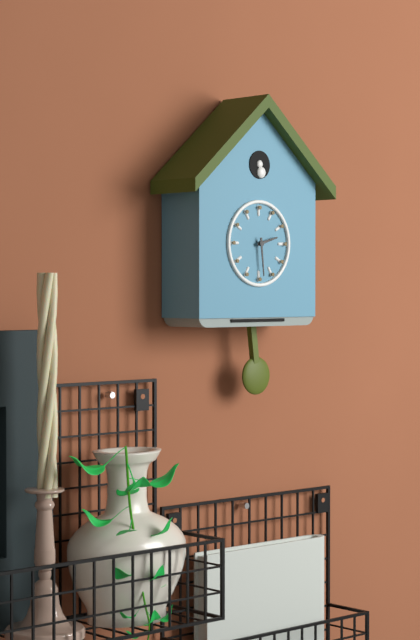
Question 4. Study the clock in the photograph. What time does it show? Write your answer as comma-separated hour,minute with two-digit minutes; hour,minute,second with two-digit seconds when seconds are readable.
2,29
